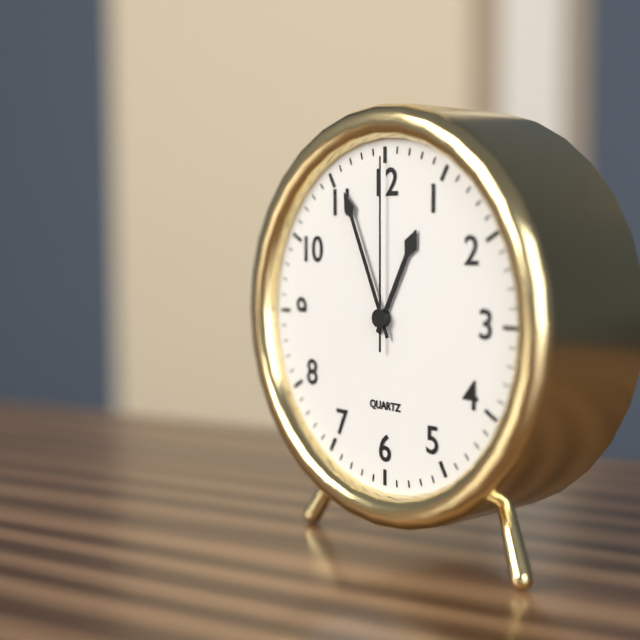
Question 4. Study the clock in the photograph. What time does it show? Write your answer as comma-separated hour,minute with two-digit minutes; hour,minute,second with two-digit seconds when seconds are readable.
12,56,00
